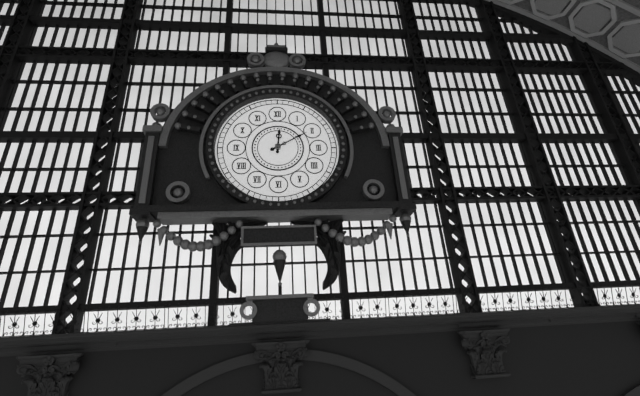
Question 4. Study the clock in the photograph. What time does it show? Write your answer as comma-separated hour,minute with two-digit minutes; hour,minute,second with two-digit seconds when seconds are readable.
12,10
